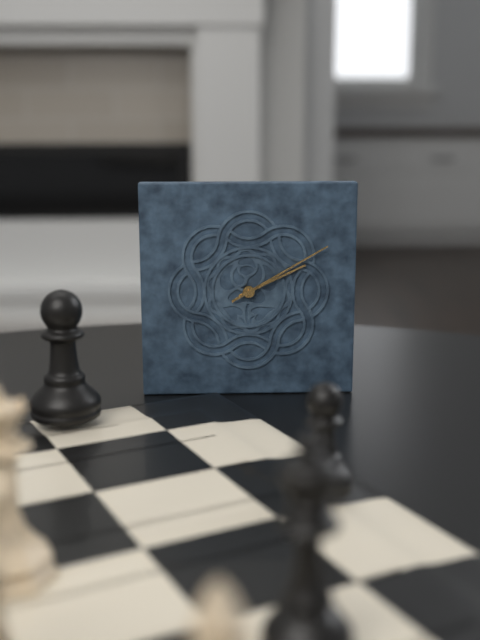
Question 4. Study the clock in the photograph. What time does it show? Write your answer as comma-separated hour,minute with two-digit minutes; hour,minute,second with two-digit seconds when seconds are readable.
2,10
